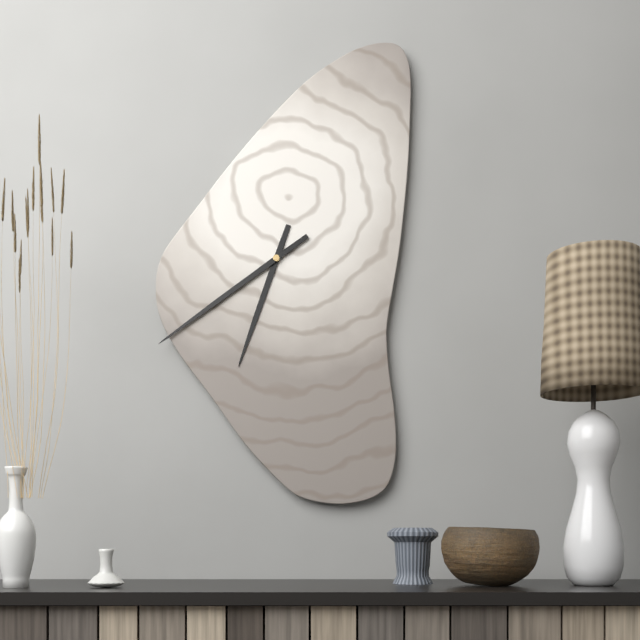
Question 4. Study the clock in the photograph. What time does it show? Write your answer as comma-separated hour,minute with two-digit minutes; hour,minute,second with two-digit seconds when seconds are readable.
6,39
